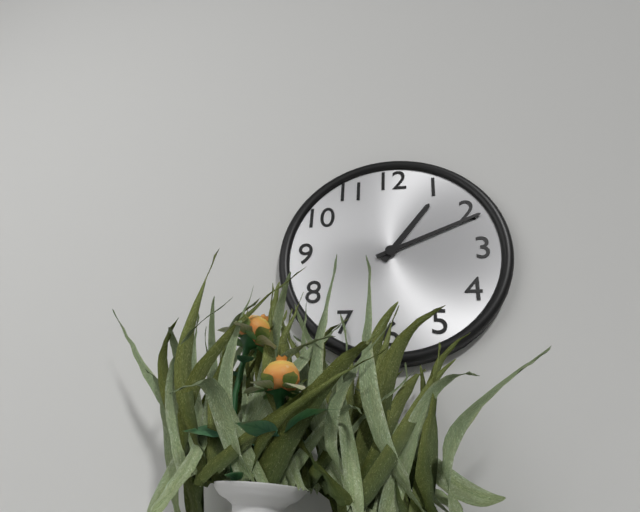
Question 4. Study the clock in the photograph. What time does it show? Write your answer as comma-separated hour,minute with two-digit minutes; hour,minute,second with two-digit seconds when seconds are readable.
1,11
